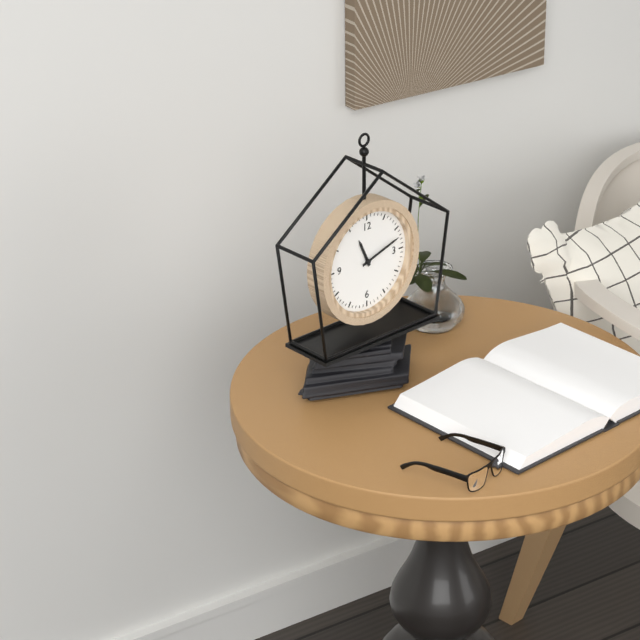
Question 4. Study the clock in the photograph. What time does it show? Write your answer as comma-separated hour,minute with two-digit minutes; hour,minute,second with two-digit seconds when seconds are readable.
11,12
